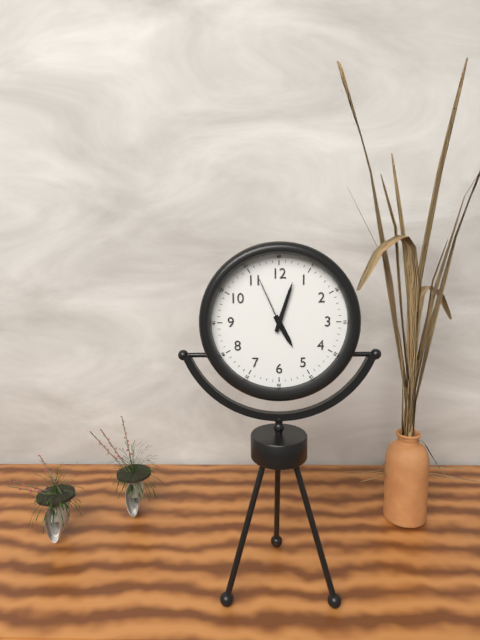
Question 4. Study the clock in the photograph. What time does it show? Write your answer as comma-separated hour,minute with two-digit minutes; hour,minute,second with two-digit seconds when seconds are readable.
5,03,56
